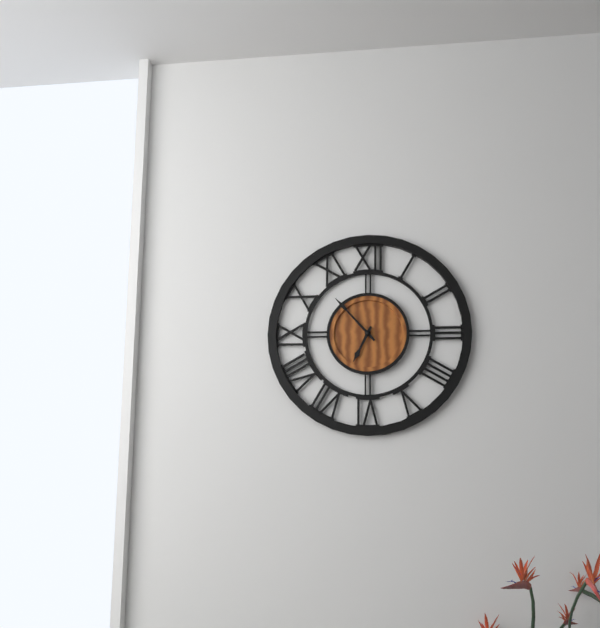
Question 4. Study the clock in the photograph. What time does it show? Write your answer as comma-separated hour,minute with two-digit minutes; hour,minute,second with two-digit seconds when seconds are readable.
6,53
